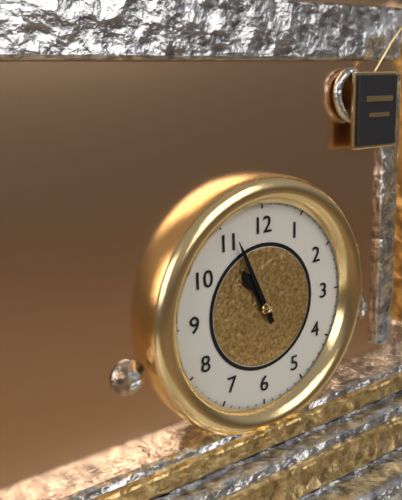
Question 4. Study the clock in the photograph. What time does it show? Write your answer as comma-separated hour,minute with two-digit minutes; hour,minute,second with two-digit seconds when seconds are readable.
10,56
